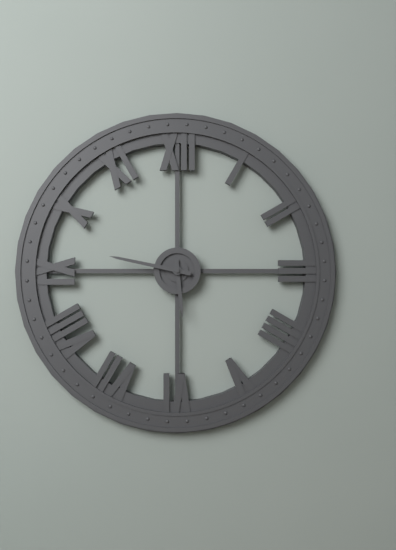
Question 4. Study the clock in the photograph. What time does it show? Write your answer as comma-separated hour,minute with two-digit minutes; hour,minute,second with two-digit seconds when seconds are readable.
5,47
